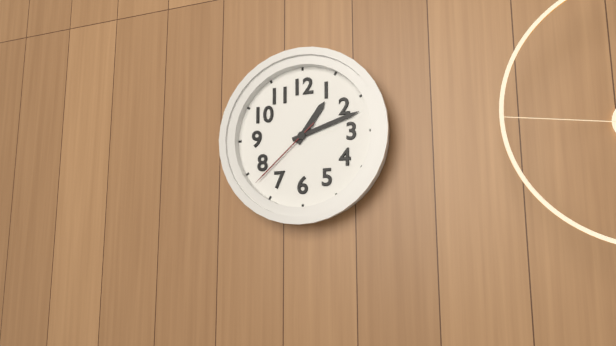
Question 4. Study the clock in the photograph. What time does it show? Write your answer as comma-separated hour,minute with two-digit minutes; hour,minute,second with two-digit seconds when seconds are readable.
1,12,38
